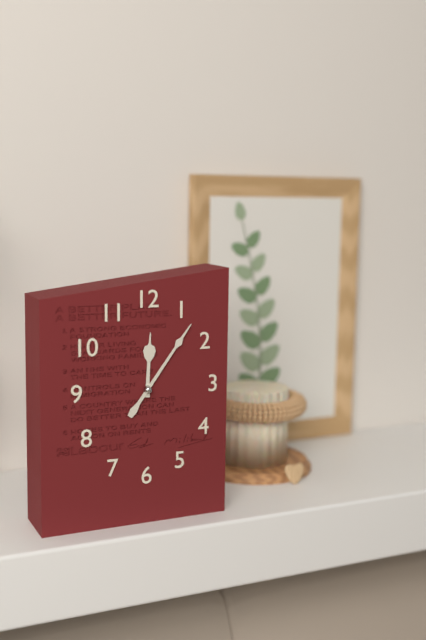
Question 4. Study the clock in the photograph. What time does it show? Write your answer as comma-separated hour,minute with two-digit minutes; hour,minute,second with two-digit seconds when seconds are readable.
12,06
